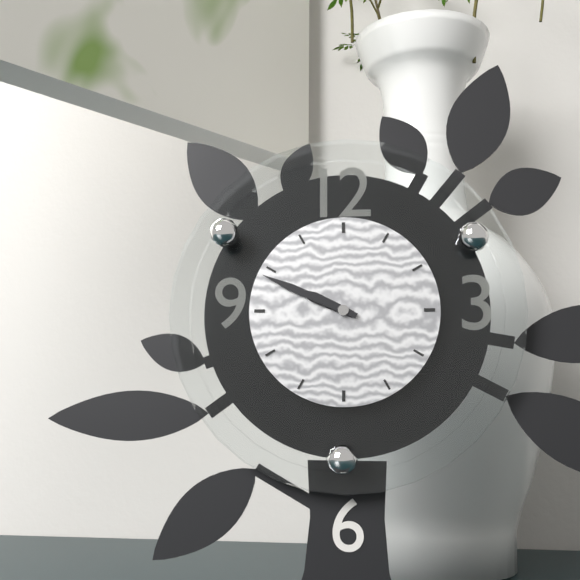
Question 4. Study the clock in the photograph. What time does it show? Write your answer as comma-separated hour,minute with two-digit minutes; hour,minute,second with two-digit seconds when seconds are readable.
9,49
